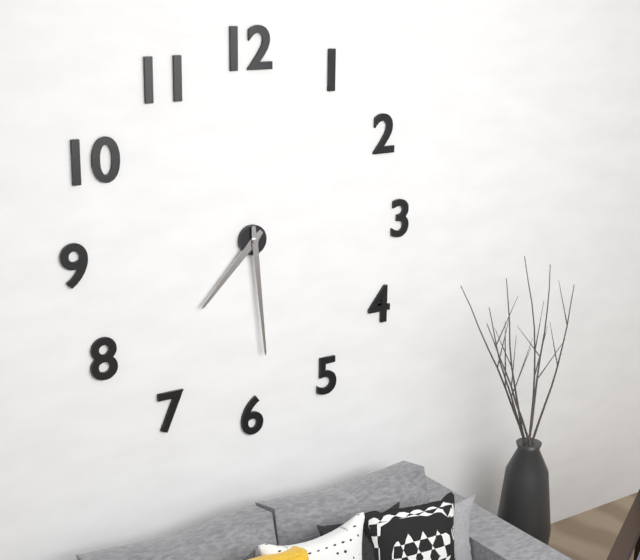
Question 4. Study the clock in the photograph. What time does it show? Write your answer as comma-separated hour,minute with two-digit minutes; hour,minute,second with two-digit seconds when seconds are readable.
7,29
